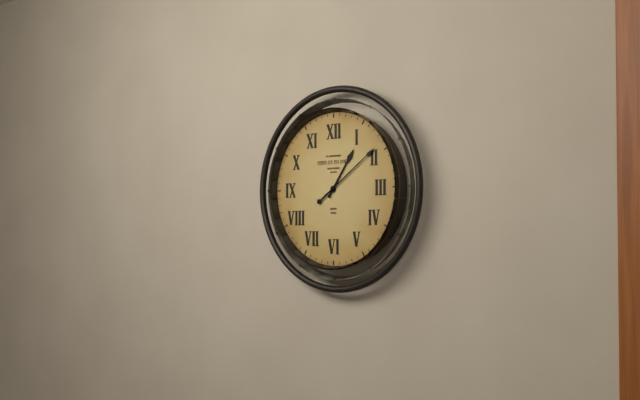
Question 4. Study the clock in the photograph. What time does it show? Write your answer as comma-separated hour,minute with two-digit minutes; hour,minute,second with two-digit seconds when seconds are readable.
1,09
